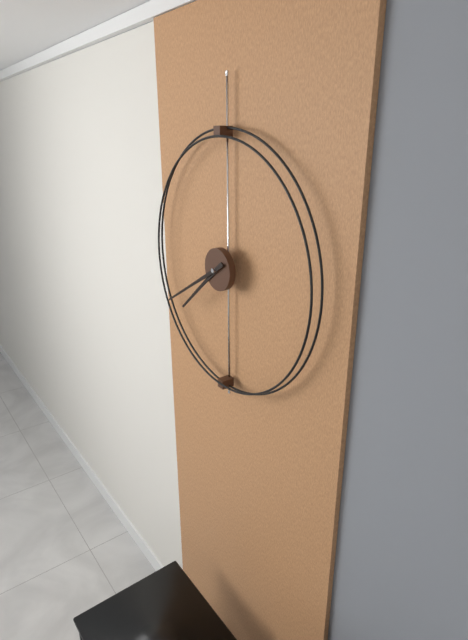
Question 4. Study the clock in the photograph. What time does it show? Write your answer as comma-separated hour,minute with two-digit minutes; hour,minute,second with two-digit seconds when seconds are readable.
7,40
